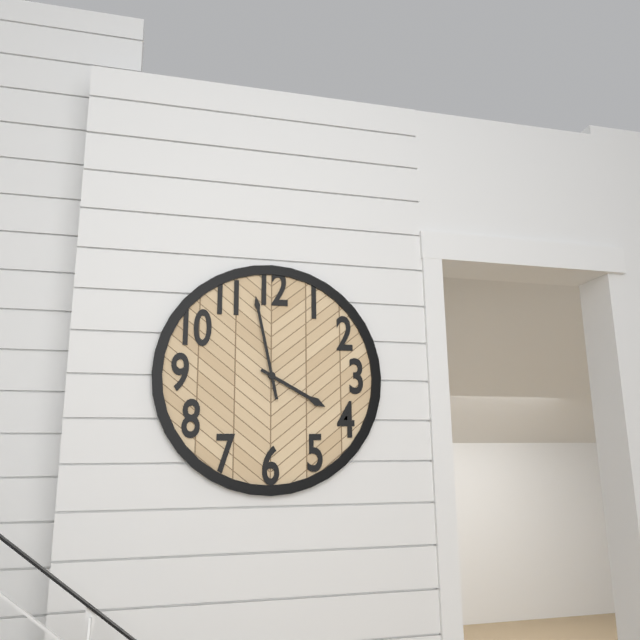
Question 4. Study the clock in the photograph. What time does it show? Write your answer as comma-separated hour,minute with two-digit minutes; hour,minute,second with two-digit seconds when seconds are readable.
3,58
